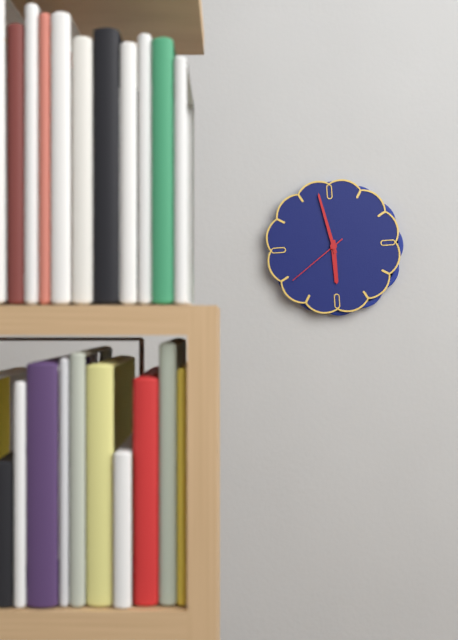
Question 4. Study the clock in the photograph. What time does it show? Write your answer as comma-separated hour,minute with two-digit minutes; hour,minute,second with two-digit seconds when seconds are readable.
5,58,39
